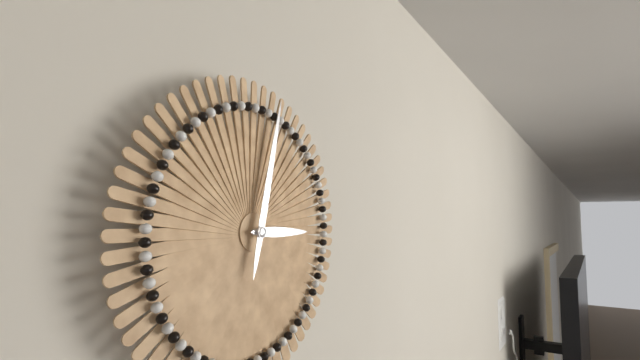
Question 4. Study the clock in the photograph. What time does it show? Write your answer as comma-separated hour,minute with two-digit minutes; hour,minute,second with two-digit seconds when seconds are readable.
3,02
